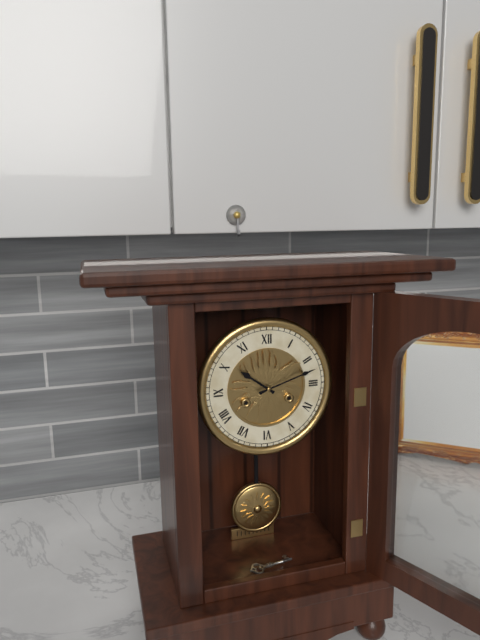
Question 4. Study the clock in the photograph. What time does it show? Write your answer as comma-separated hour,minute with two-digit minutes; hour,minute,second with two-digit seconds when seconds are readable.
10,12
